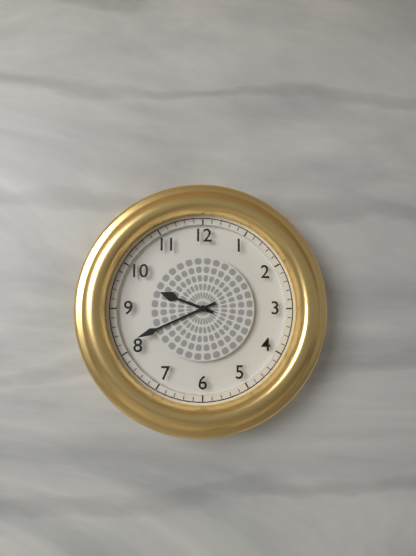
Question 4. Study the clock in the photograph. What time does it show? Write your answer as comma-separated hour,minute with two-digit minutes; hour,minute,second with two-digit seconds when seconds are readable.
9,41
